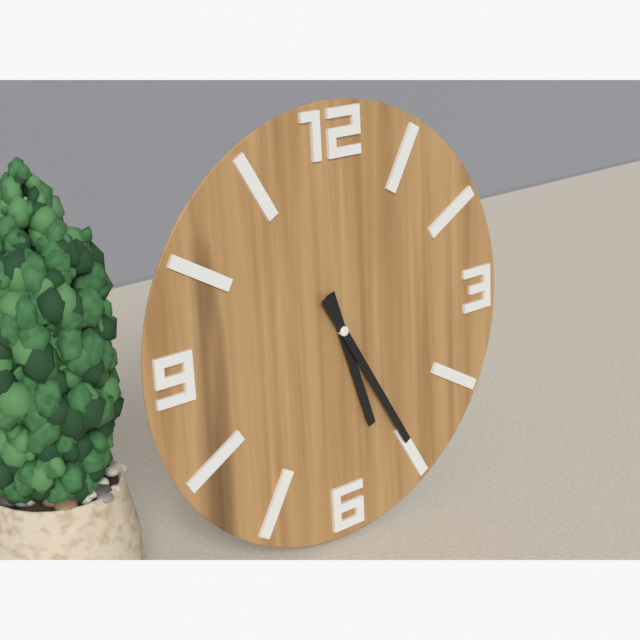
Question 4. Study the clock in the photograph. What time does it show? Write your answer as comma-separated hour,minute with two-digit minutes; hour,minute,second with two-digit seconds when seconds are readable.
5,25
